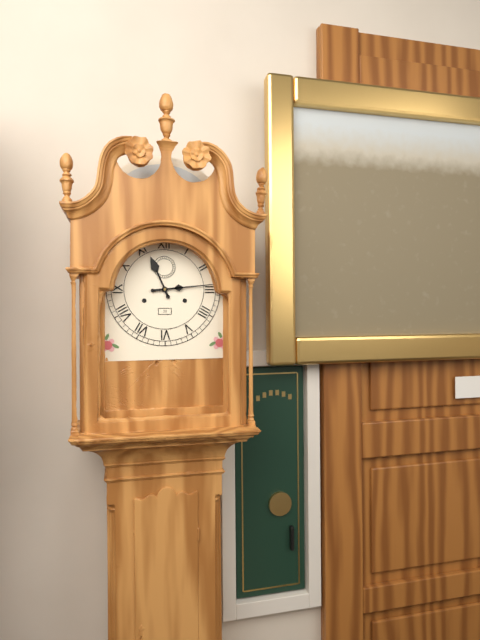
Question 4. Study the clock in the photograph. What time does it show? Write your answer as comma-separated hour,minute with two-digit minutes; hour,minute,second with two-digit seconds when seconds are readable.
11,14
